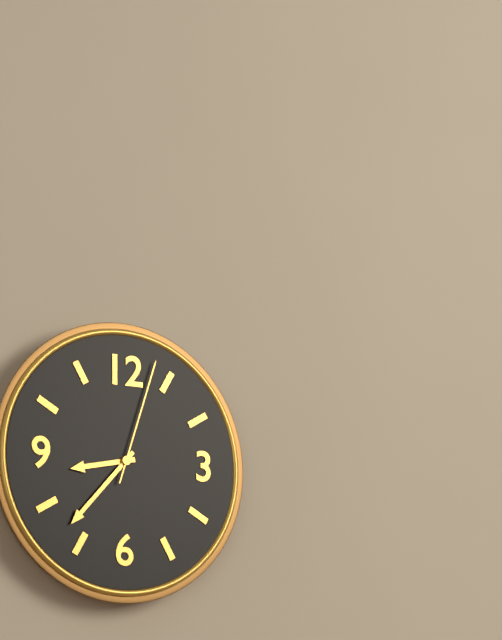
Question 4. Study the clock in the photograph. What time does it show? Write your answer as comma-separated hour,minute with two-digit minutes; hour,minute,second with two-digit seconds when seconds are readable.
8,37,03
